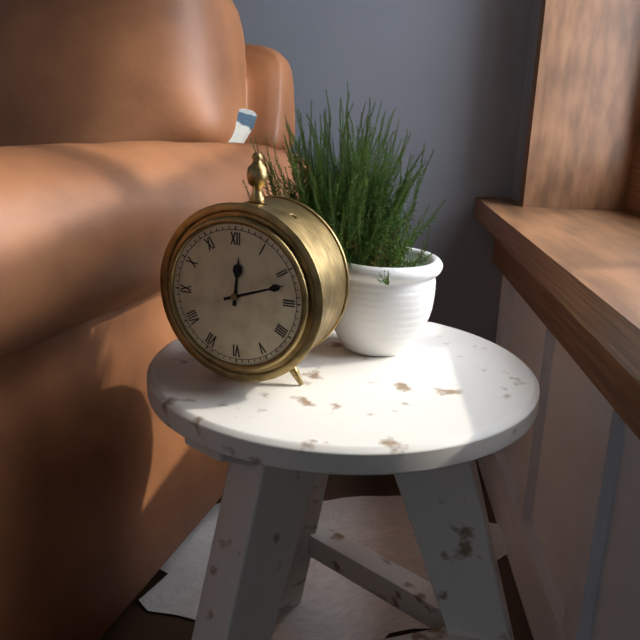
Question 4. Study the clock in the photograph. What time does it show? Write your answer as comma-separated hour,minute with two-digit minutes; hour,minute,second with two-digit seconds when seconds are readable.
12,12
